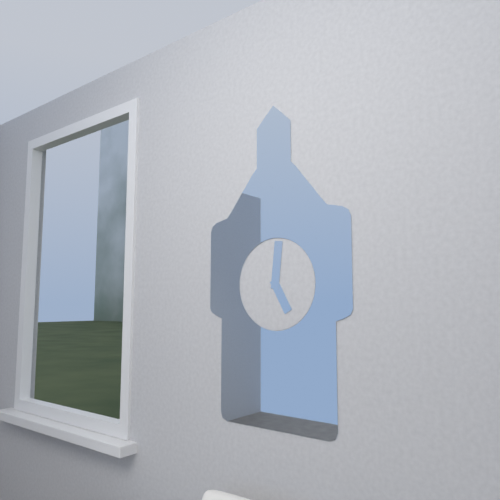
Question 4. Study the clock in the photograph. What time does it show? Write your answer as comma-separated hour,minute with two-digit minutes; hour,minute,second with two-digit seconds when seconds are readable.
5,01
